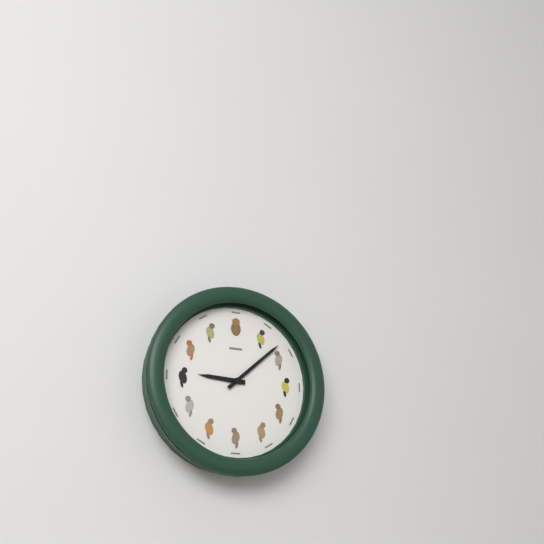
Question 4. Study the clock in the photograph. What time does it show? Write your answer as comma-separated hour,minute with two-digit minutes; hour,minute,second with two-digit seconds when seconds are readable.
9,08
